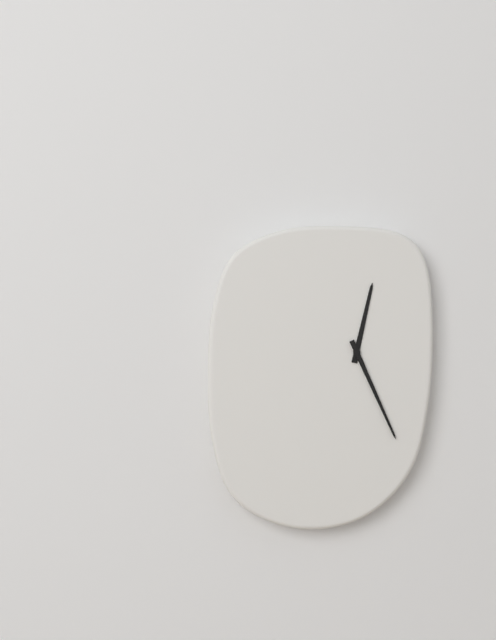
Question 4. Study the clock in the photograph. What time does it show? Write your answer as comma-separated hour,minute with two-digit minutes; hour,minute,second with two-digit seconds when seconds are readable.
12,26
